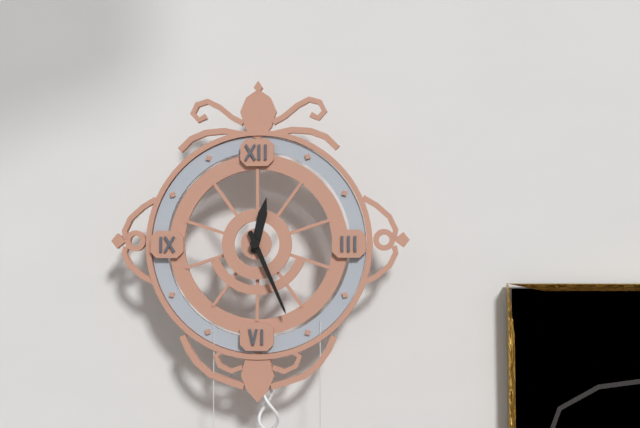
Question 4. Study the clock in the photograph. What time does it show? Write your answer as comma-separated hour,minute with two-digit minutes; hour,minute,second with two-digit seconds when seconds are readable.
12,26
